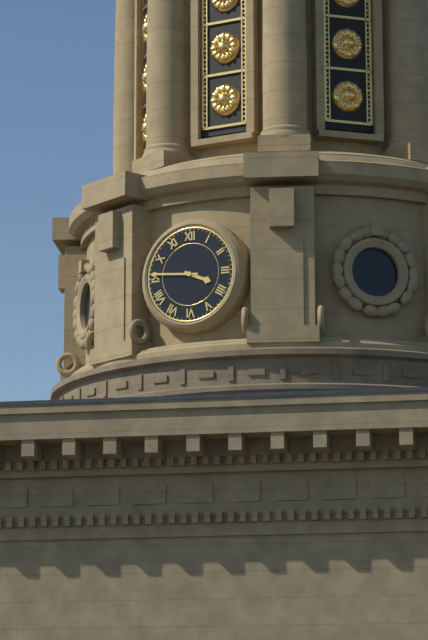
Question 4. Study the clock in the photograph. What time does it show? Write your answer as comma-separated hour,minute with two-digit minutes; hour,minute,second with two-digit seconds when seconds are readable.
3,46
